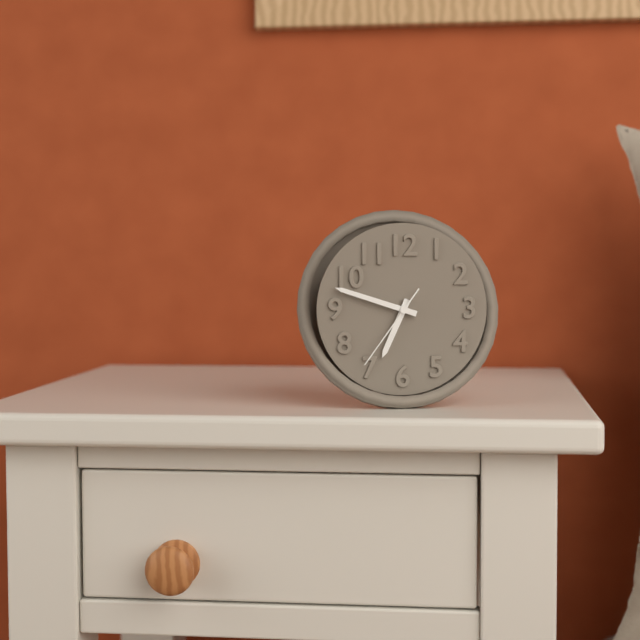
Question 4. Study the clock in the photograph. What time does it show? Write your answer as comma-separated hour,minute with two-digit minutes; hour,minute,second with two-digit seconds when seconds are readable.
6,48,36
